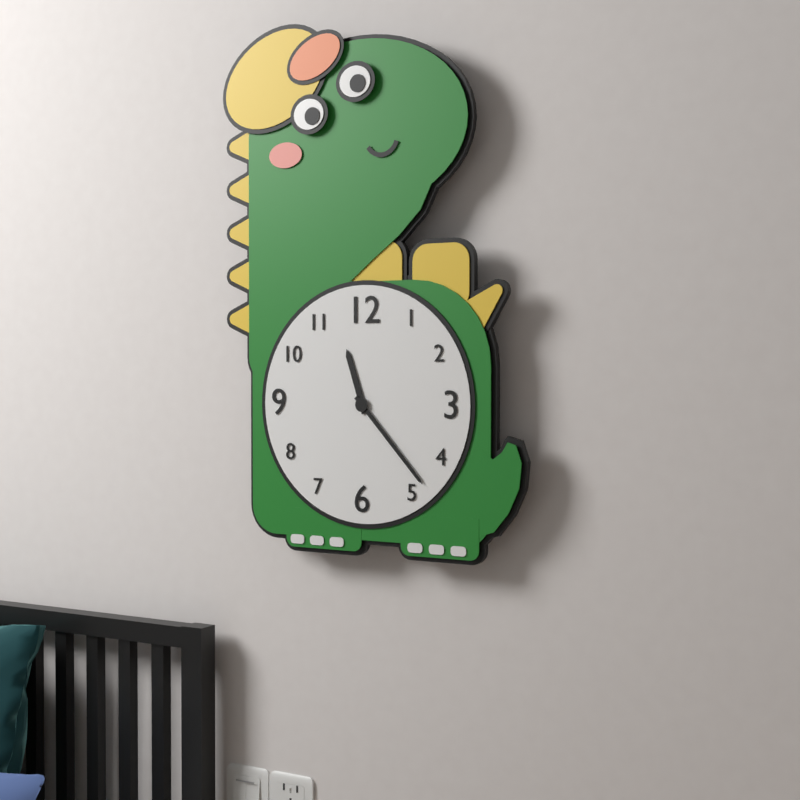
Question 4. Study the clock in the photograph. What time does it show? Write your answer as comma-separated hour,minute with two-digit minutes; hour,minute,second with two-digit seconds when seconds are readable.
11,23
